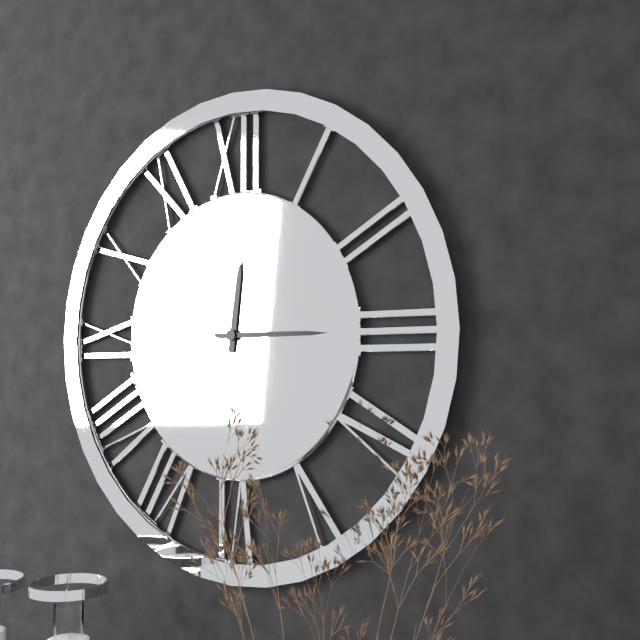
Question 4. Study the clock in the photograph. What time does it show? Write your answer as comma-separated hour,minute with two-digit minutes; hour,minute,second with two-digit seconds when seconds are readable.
12,15
